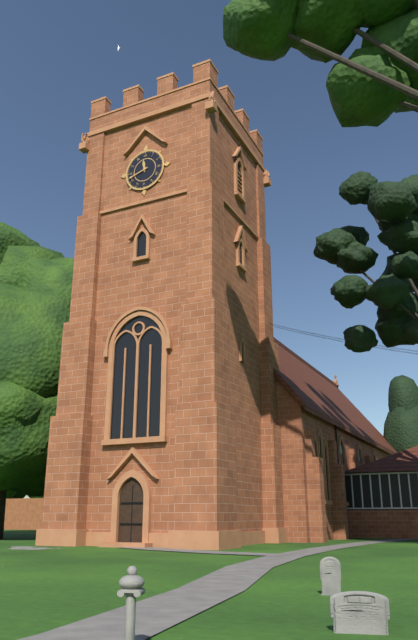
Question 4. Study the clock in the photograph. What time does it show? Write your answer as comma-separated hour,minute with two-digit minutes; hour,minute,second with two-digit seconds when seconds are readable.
11,42
